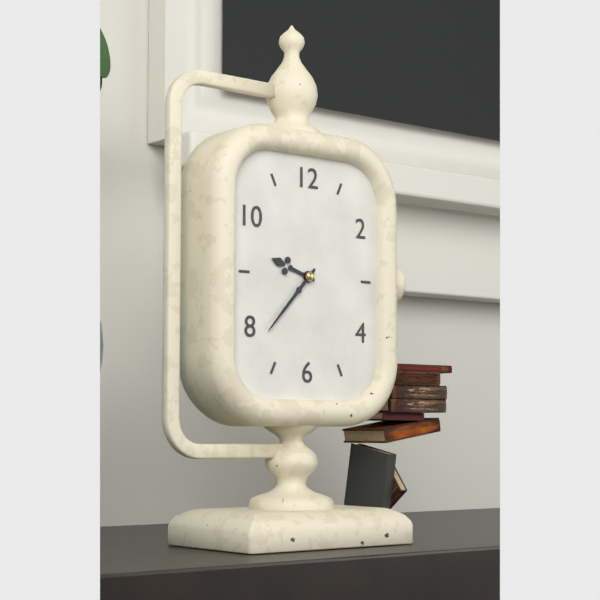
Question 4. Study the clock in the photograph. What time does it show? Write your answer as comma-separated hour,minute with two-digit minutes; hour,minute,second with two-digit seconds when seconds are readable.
9,37
